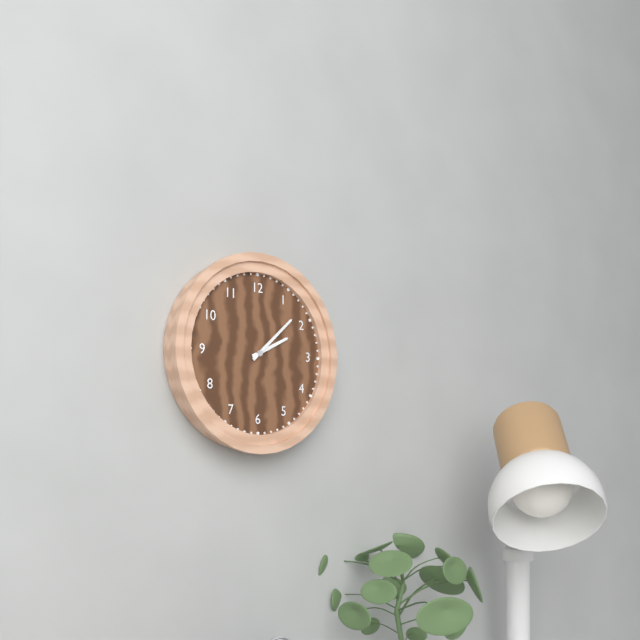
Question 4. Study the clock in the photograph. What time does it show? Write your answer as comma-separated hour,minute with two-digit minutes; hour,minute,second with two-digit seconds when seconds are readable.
2,08
